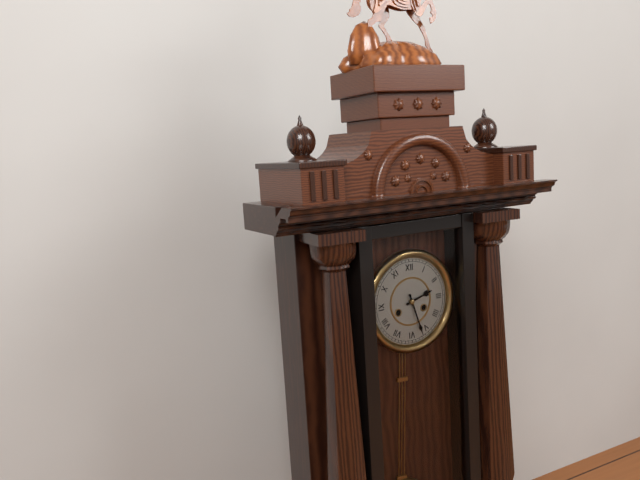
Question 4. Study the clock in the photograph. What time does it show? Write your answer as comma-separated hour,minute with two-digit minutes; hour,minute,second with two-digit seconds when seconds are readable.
2,27
